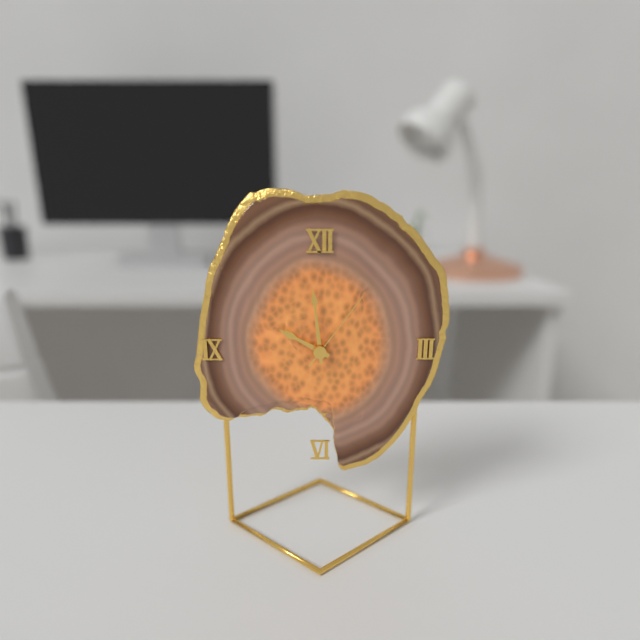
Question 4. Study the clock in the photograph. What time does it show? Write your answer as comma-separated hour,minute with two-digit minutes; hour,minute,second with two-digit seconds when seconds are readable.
9,59,06
